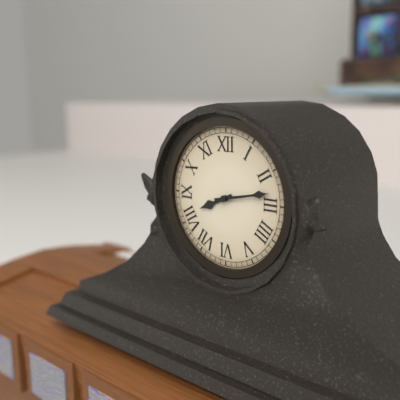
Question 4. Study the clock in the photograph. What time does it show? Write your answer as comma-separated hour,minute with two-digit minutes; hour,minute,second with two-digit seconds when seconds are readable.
8,13
